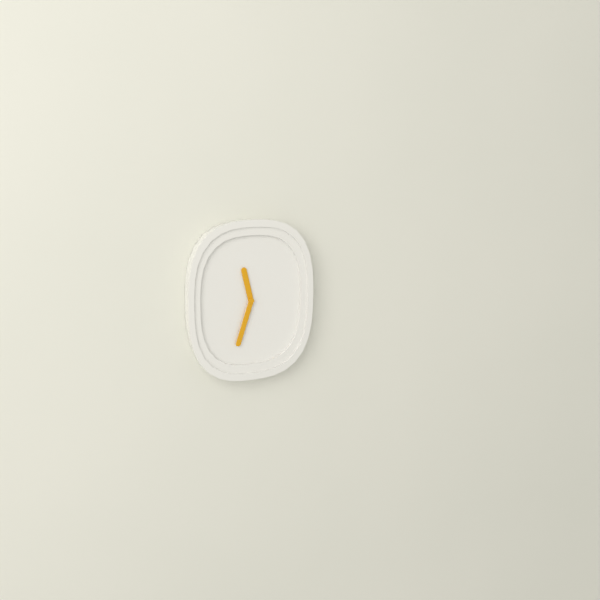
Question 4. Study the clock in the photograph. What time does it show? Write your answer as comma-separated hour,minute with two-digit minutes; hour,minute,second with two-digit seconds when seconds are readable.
11,33
